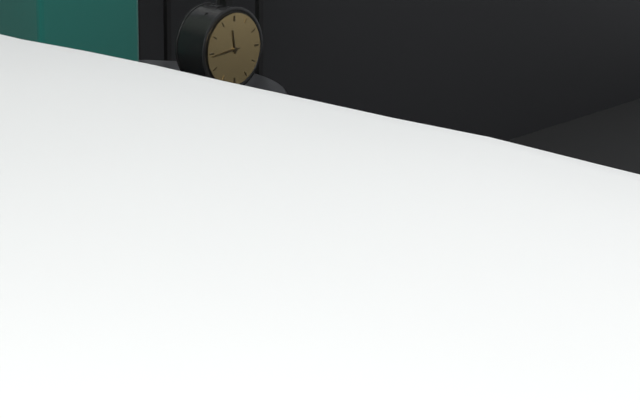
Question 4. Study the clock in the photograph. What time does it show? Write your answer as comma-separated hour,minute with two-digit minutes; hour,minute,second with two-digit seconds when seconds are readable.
11,44
